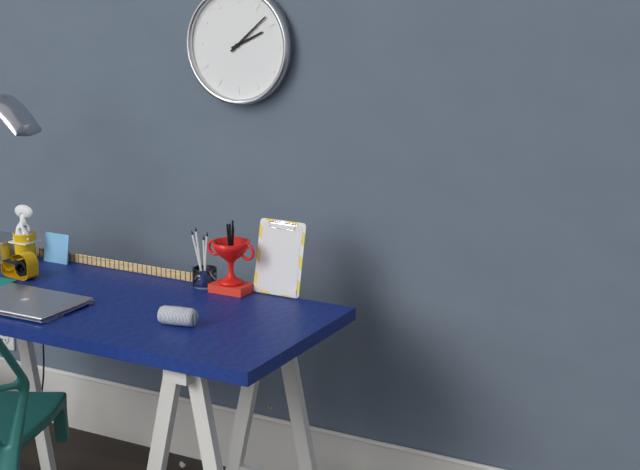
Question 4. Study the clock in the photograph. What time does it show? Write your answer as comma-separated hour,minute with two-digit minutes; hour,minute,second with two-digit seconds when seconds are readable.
2,08
